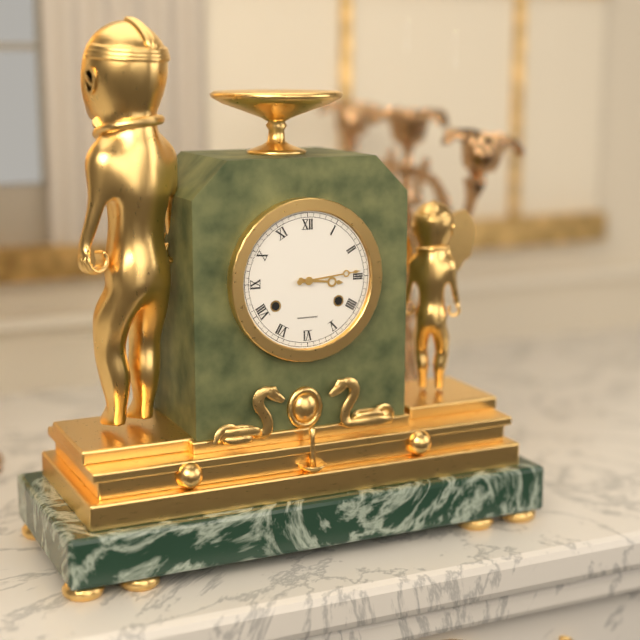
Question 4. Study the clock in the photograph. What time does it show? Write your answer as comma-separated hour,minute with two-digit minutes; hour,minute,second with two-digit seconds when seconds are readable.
3,14
